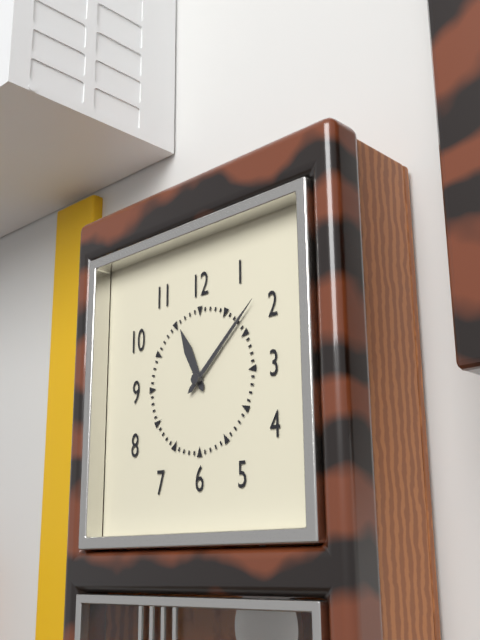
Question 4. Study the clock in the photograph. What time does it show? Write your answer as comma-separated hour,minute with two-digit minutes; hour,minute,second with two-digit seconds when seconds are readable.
11,08
